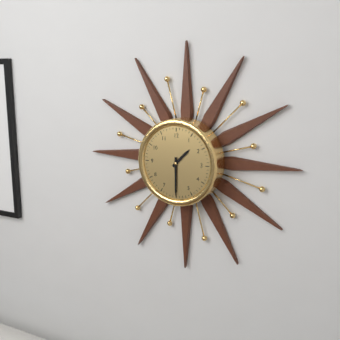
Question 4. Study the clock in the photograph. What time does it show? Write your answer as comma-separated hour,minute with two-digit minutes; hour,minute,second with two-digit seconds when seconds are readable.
1,30
